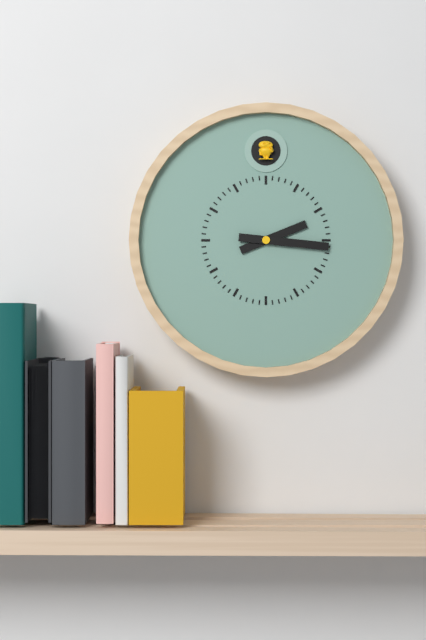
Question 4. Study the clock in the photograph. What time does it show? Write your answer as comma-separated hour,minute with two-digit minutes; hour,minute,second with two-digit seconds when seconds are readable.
2,16
